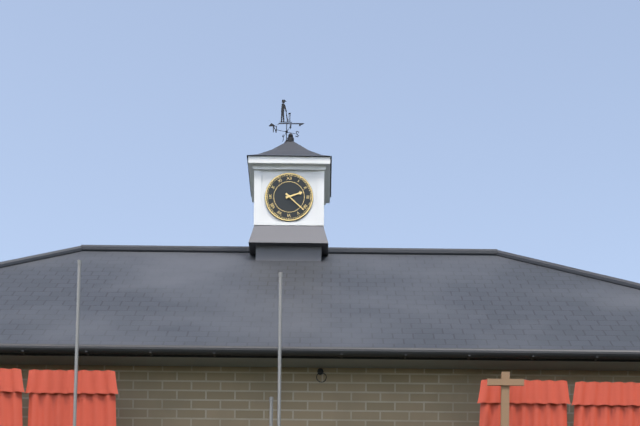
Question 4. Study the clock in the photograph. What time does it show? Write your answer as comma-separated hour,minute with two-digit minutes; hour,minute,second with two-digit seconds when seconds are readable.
2,22
